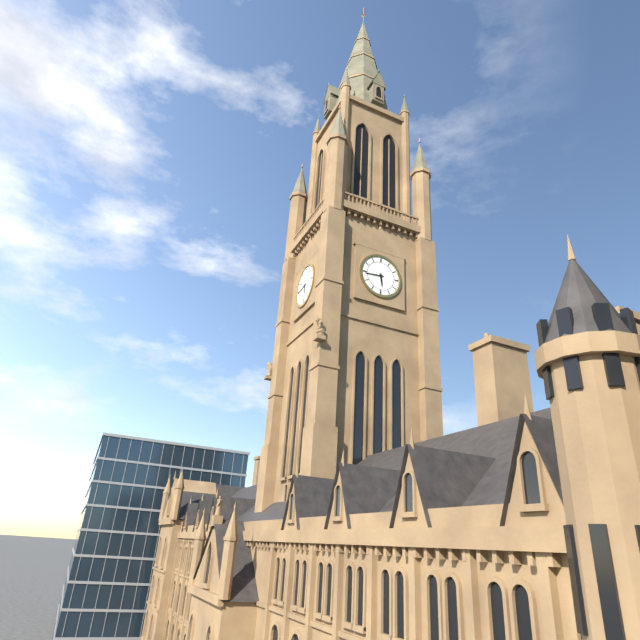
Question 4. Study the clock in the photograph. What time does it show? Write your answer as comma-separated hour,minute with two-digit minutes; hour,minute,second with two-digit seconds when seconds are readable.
5,44
